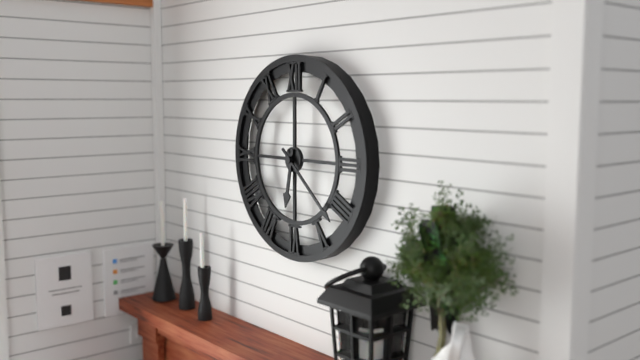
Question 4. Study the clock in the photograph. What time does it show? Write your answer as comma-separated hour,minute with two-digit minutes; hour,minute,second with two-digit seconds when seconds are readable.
6,22
